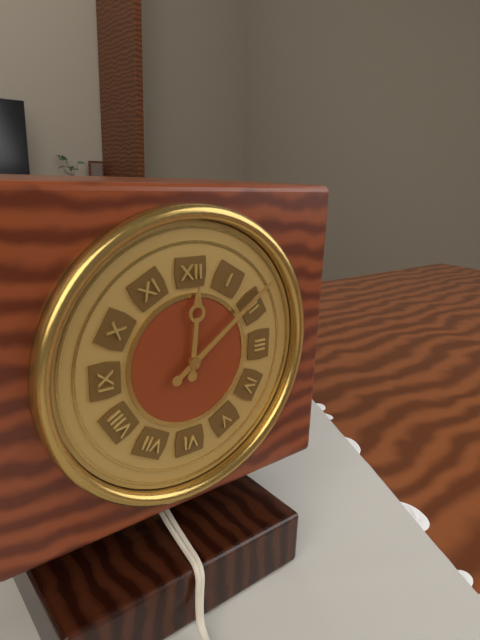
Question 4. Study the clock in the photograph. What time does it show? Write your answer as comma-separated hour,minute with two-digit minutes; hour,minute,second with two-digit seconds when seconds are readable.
12,09
